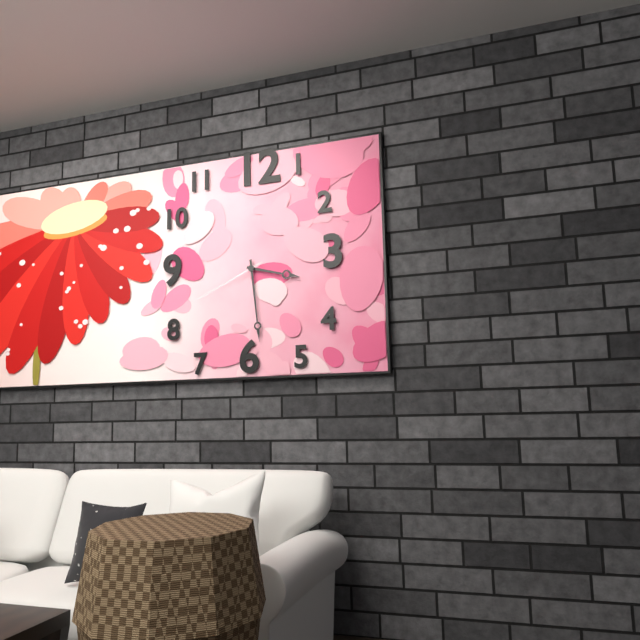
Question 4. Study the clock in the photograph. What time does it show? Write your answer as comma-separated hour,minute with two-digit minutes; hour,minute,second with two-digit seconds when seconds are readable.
3,29,41
